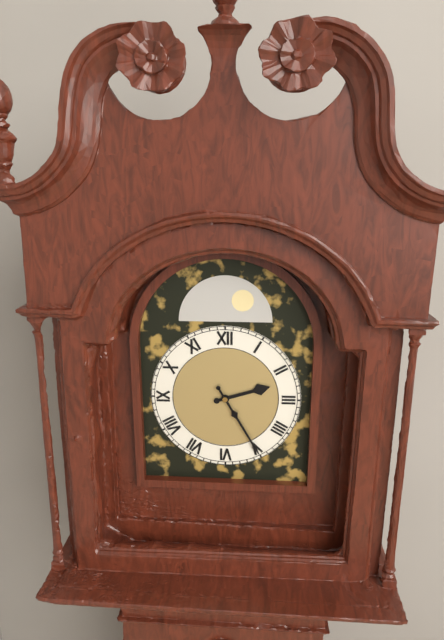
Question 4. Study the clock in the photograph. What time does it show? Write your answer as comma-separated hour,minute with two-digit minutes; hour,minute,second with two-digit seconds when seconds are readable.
2,25
